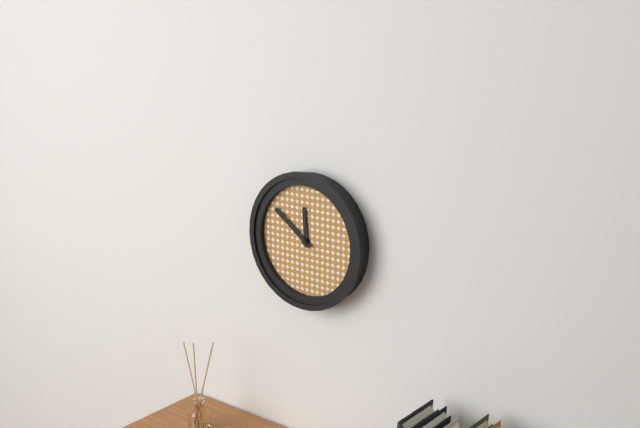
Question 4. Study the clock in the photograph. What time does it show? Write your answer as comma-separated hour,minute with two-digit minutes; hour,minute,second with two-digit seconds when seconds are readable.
11,51
